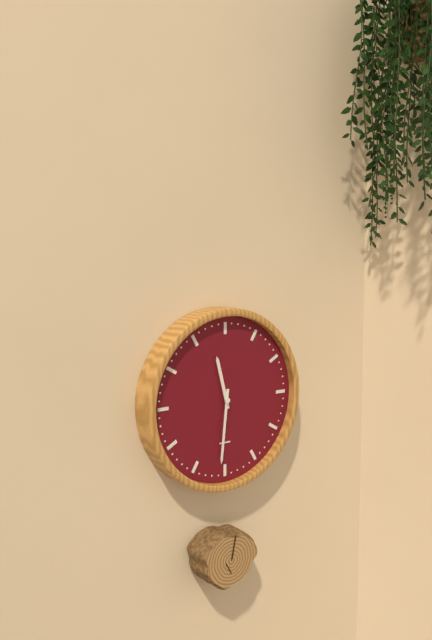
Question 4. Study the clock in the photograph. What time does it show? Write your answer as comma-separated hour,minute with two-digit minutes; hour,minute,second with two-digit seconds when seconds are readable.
11,31
